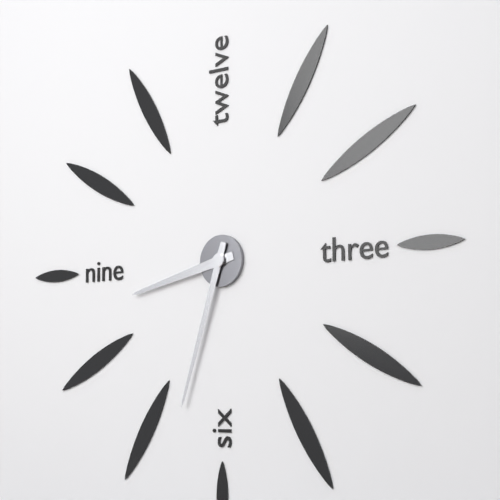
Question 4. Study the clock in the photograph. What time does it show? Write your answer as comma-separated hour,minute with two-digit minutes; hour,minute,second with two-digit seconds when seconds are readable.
8,33
